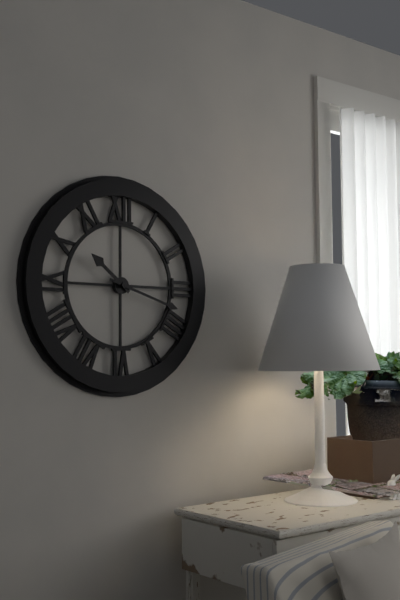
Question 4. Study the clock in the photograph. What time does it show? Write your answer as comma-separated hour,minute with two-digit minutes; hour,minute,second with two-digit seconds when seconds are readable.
10,18
